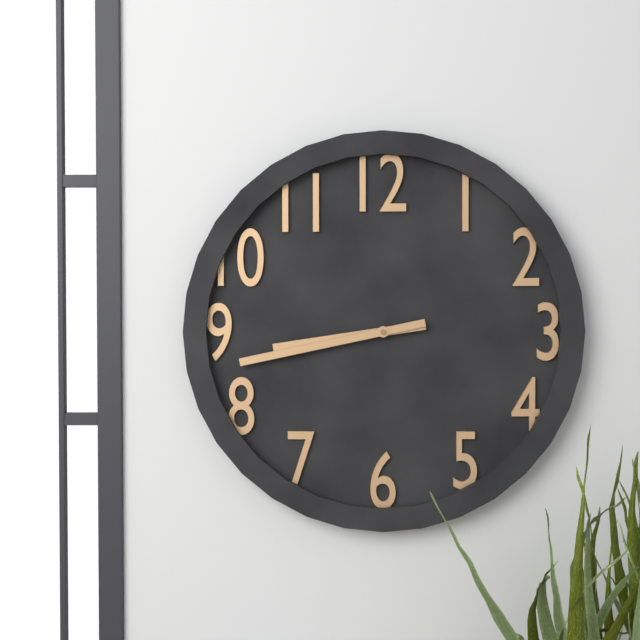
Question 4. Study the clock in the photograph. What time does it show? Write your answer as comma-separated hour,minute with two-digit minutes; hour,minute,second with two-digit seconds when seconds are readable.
8,43
